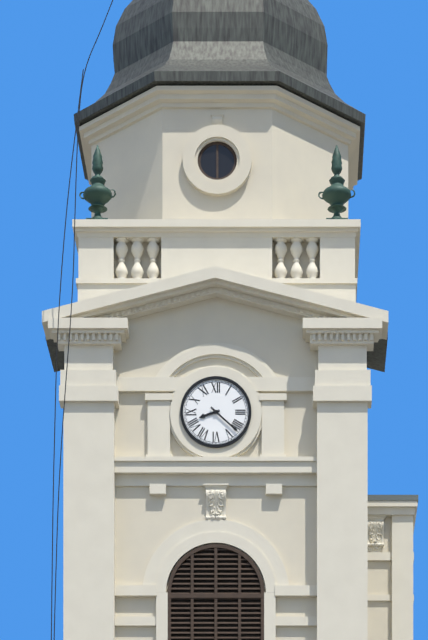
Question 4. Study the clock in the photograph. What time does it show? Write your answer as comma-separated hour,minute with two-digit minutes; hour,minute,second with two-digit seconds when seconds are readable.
8,22
